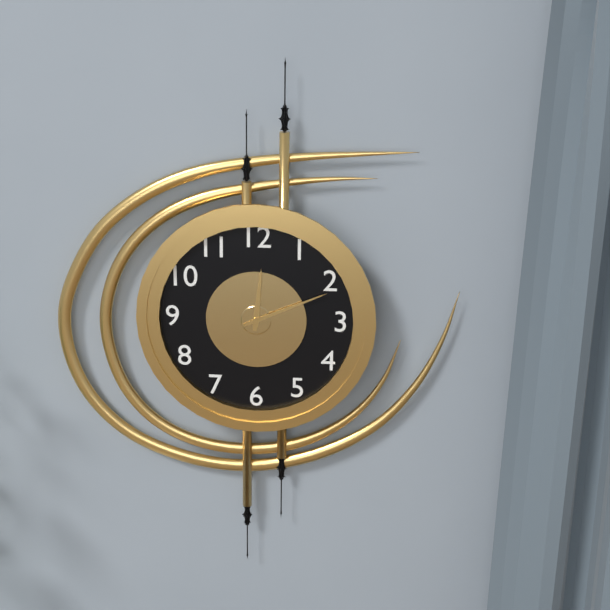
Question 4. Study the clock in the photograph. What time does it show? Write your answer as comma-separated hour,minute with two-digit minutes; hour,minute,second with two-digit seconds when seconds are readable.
12,11
